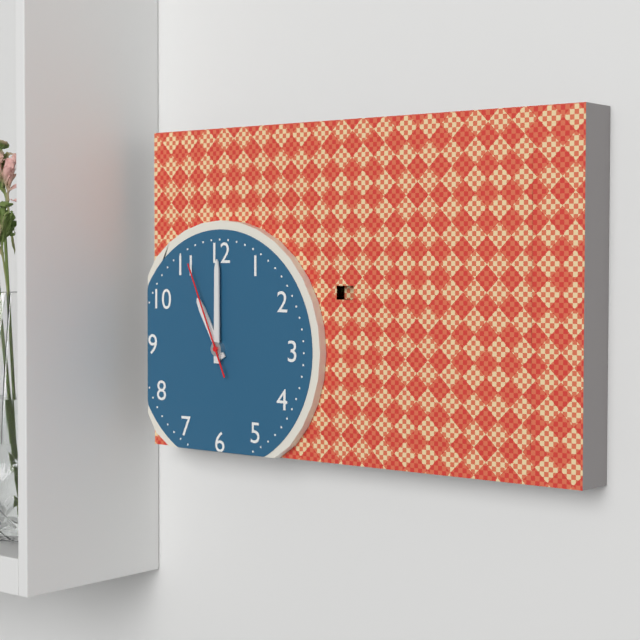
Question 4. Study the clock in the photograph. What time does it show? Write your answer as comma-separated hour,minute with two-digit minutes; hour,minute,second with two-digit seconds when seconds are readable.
11,00,56
